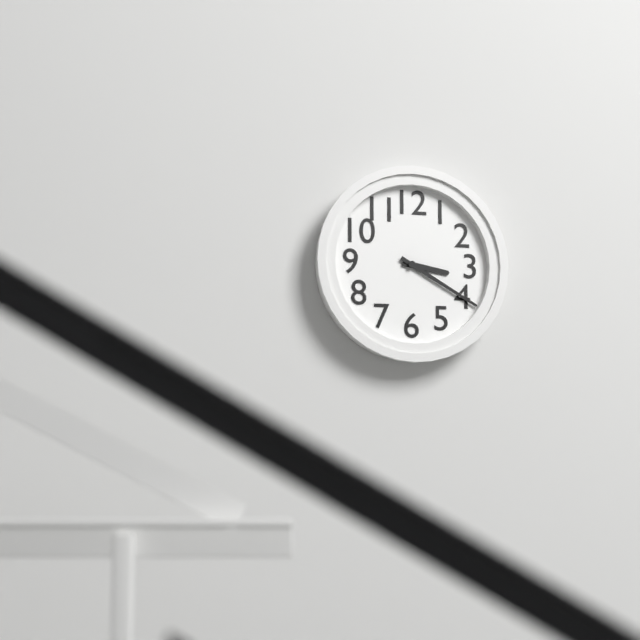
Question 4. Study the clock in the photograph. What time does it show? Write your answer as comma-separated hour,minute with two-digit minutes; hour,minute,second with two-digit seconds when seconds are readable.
3,20
